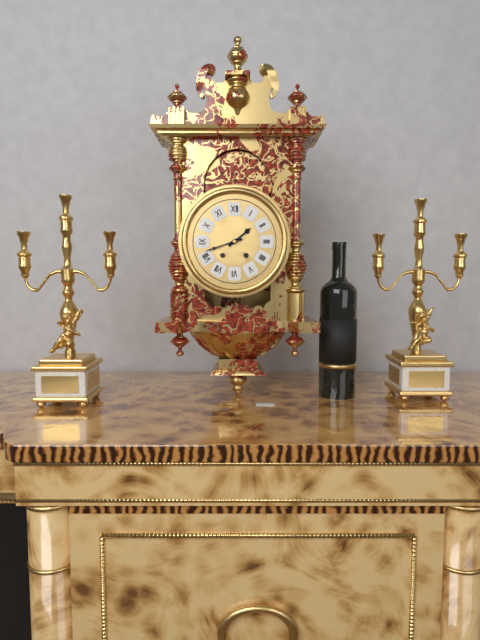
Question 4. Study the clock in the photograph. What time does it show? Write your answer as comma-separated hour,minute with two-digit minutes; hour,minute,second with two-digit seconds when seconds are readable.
1,42
